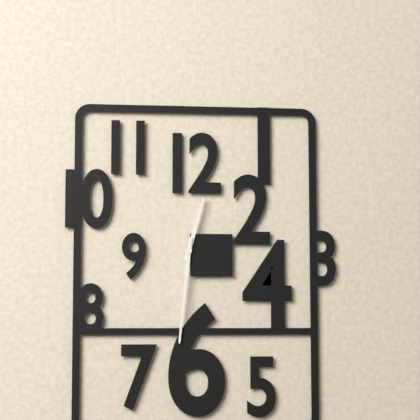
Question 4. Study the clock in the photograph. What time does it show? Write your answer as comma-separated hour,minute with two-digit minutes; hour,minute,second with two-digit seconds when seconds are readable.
12,31
